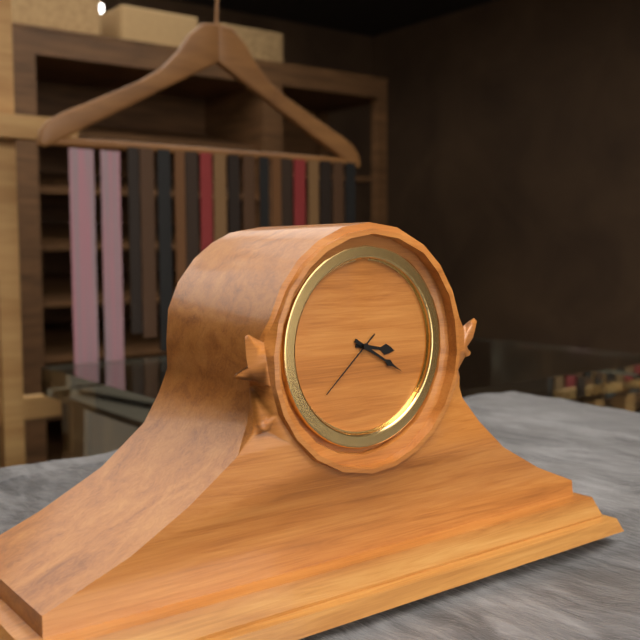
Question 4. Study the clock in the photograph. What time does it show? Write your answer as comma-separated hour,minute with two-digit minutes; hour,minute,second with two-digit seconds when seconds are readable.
3,20,38
